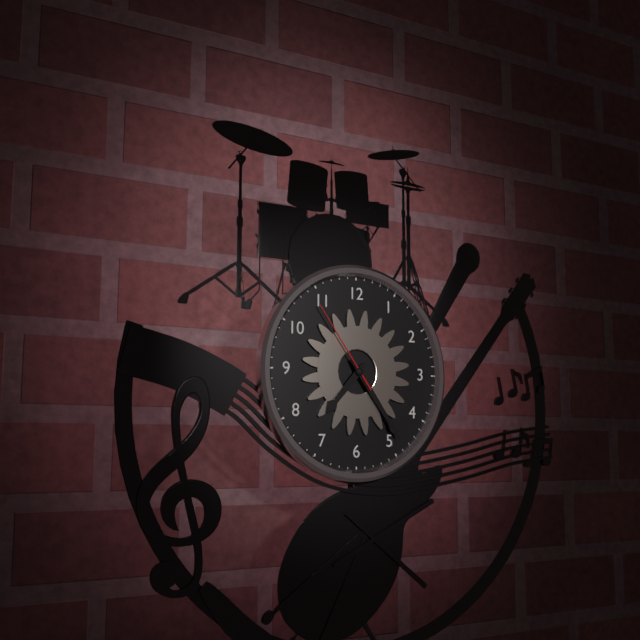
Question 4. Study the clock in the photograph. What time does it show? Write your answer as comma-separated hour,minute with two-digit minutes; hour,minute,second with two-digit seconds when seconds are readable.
7,24,54
